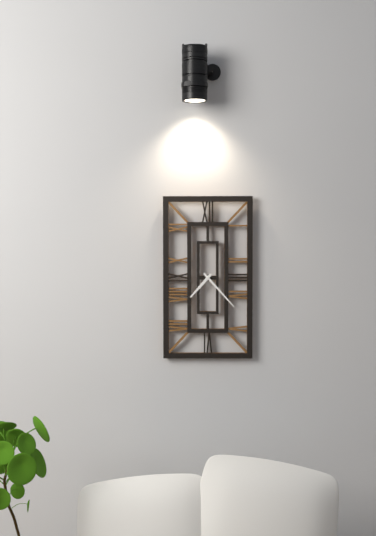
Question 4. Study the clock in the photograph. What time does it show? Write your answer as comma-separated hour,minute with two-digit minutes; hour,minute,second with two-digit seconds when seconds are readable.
7,23
